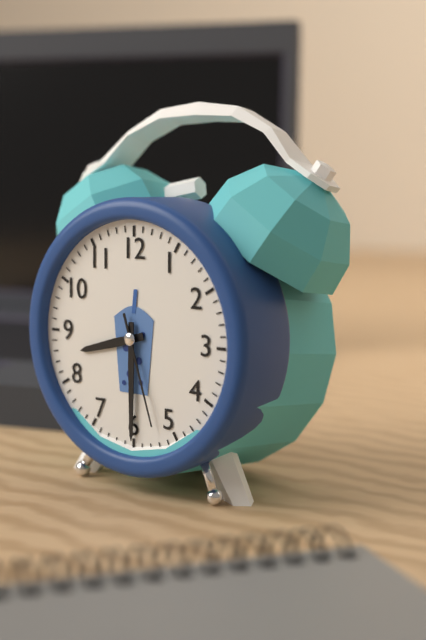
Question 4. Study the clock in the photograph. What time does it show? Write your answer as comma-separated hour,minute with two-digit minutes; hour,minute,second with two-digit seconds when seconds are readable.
8,30,27
